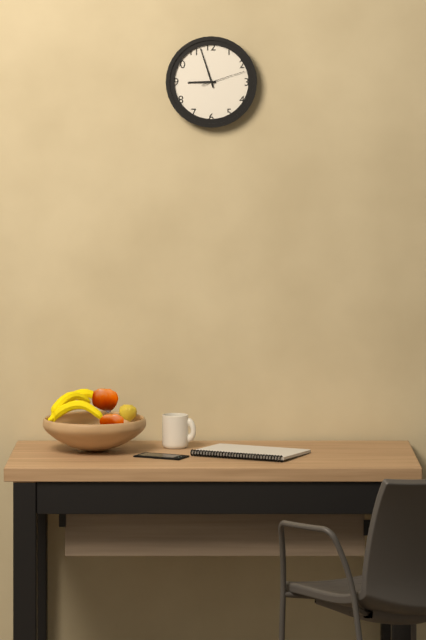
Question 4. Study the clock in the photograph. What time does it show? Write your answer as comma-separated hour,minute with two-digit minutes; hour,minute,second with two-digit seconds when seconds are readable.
8,57
